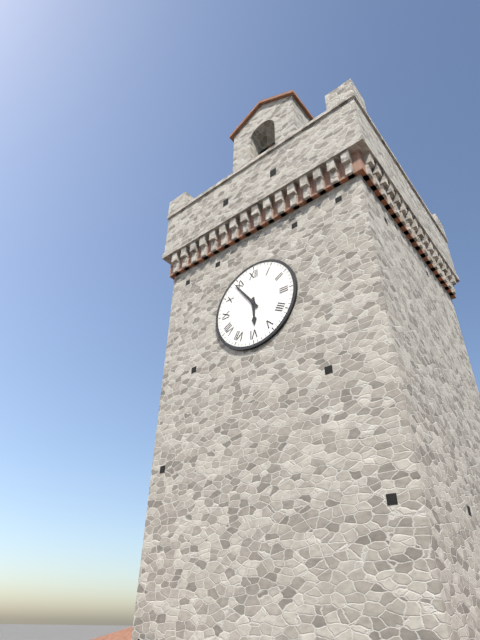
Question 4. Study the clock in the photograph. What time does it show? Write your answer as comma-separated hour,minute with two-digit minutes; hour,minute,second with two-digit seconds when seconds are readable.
5,54
